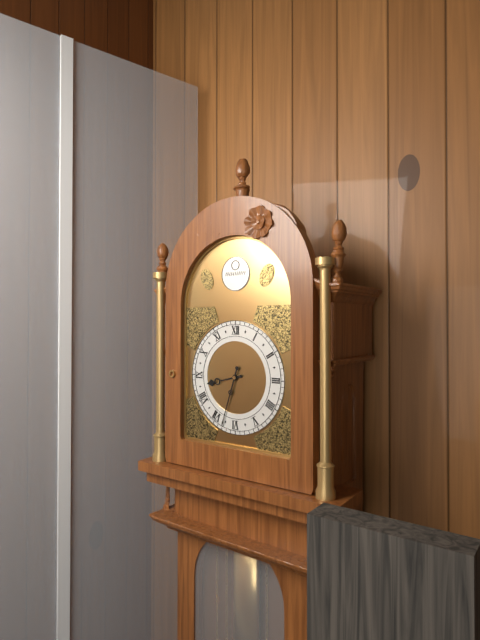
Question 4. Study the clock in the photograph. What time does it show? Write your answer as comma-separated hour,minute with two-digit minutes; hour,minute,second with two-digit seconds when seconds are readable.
8,33
